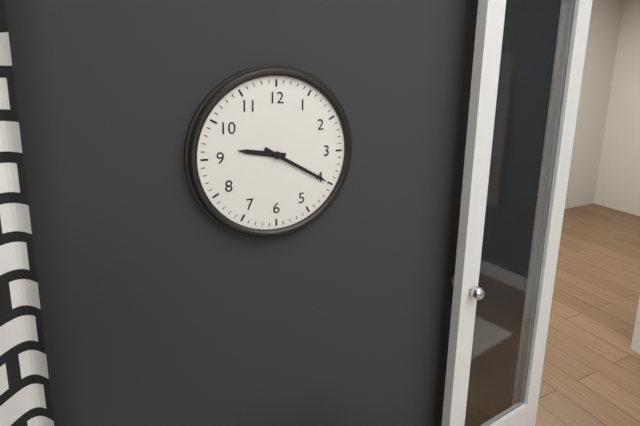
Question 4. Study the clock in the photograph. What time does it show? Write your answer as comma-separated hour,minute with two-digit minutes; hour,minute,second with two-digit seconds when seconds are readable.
9,20
